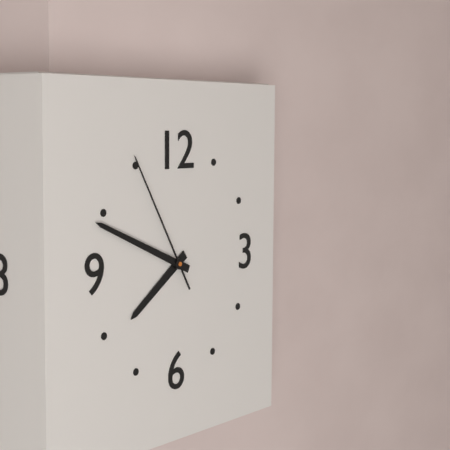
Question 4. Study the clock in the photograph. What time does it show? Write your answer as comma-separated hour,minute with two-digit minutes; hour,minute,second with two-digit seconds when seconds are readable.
7,49,55
